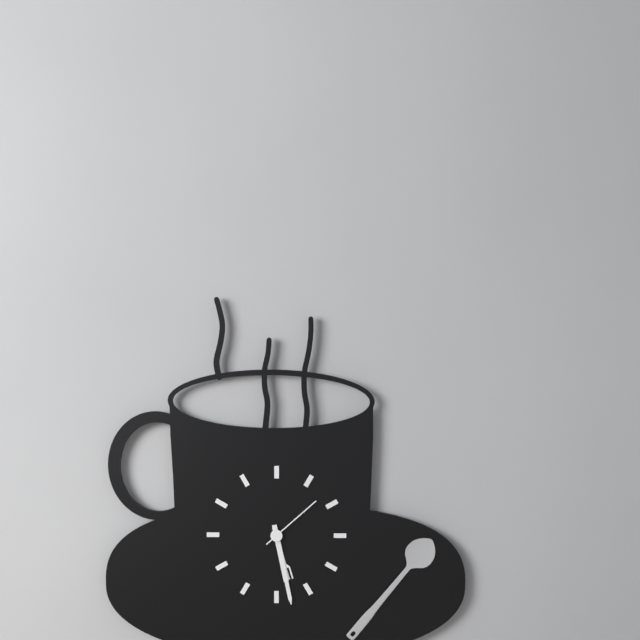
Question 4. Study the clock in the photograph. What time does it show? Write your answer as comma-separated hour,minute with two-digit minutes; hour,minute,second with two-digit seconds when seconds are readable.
5,28,08
